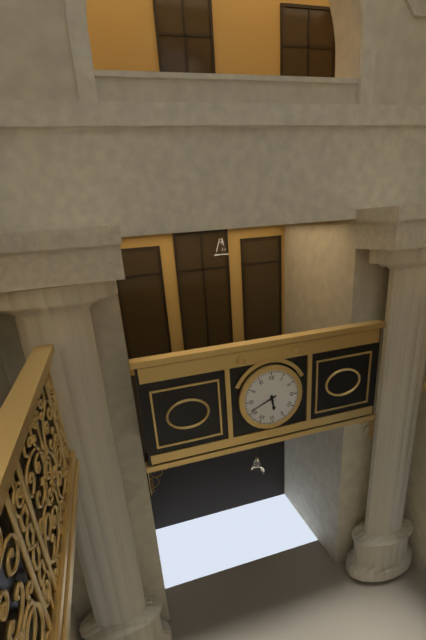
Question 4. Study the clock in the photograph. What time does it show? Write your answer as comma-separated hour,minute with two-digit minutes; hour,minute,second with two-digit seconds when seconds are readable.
5,41
